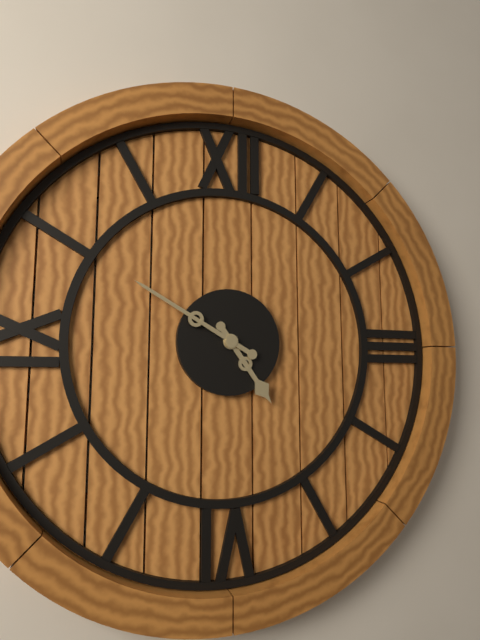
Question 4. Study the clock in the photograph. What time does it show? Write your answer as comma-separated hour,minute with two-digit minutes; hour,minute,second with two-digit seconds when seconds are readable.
4,50
